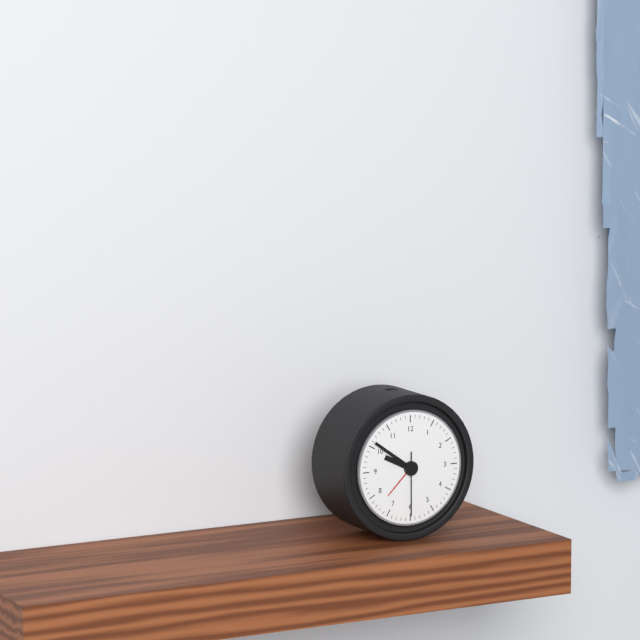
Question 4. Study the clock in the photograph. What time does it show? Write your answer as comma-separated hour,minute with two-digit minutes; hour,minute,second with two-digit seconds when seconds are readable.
9,51,30
